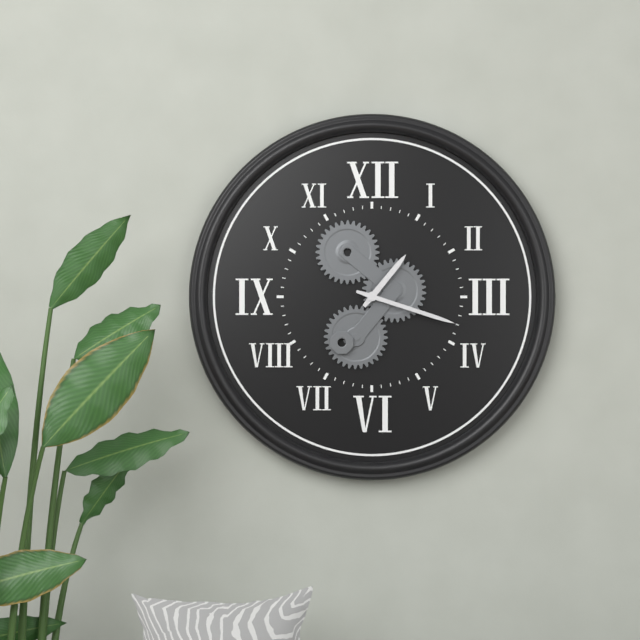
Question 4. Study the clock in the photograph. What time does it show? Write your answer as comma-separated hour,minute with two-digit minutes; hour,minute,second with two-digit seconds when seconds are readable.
1,18
